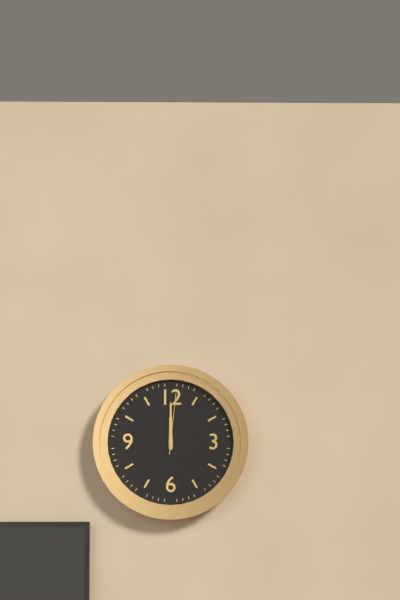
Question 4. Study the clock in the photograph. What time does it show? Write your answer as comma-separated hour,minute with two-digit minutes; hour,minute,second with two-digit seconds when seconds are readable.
12,00,01
